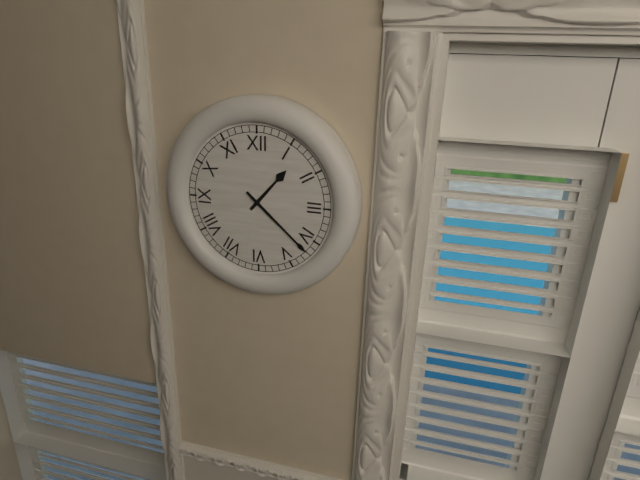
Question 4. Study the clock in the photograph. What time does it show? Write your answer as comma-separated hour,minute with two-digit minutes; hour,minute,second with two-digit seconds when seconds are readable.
1,22
